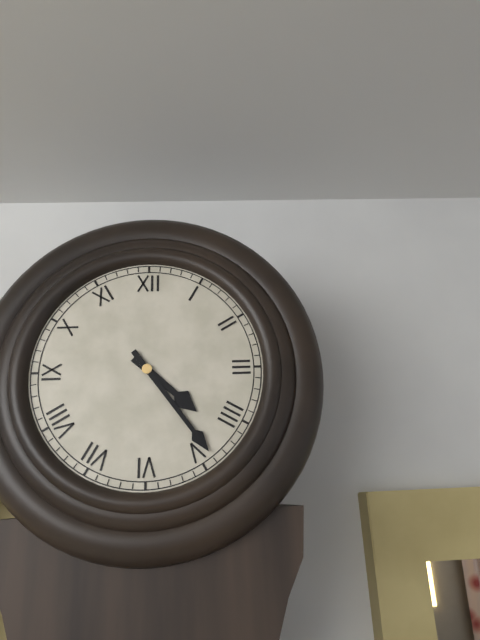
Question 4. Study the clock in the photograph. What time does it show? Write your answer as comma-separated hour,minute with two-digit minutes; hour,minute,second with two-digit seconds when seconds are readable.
4,24
